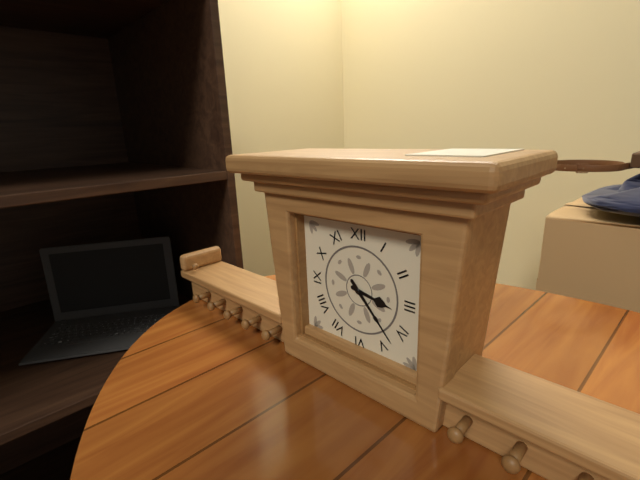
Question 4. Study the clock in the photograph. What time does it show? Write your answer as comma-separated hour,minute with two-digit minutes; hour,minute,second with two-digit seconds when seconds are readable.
3,23
